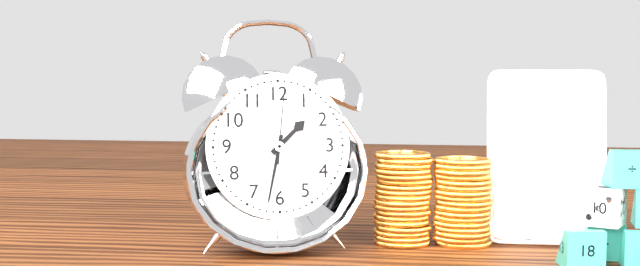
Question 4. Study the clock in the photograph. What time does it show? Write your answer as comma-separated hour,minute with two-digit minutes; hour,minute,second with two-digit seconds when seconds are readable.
1,32,01
